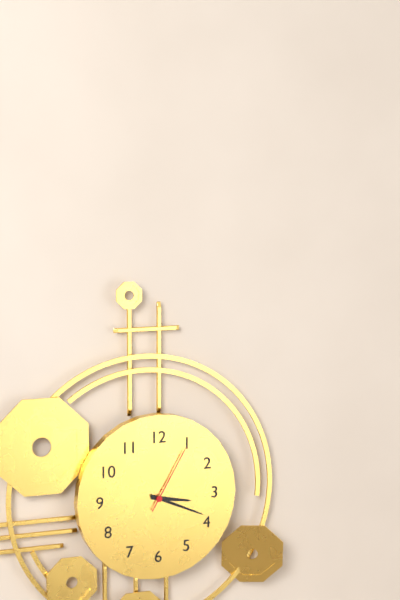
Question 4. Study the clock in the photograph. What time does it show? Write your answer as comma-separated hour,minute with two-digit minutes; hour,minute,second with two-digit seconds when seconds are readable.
3,19,05
